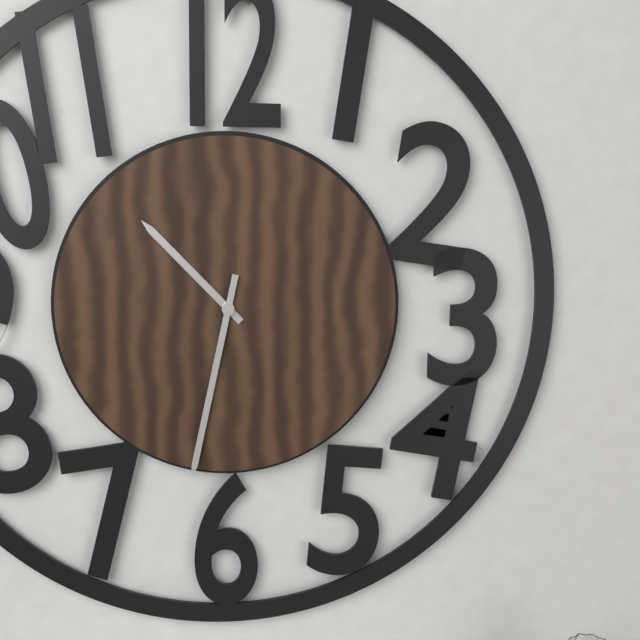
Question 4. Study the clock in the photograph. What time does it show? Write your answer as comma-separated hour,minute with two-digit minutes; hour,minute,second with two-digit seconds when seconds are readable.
10,32
